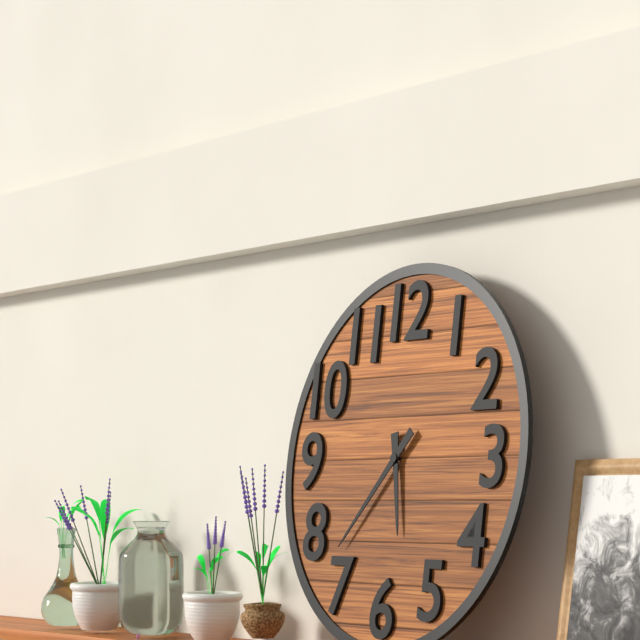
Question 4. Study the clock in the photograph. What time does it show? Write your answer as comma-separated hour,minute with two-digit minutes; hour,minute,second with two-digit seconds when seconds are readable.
5,37
